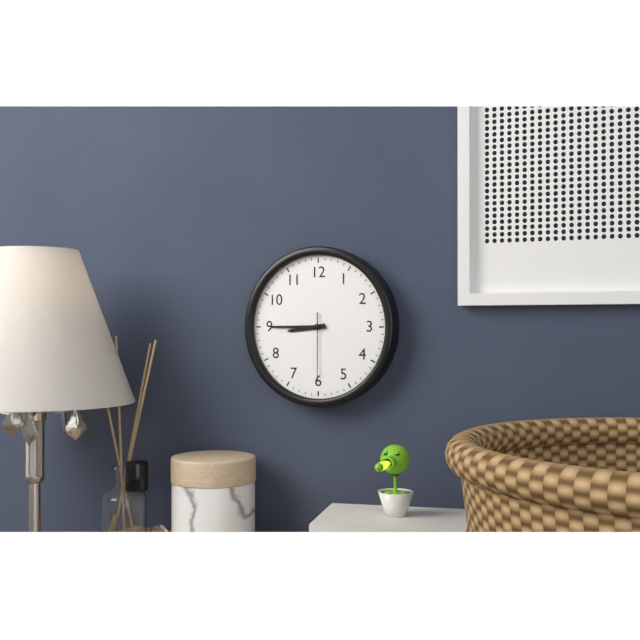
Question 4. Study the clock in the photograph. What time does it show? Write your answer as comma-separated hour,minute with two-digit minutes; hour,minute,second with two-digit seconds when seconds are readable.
8,45,30
